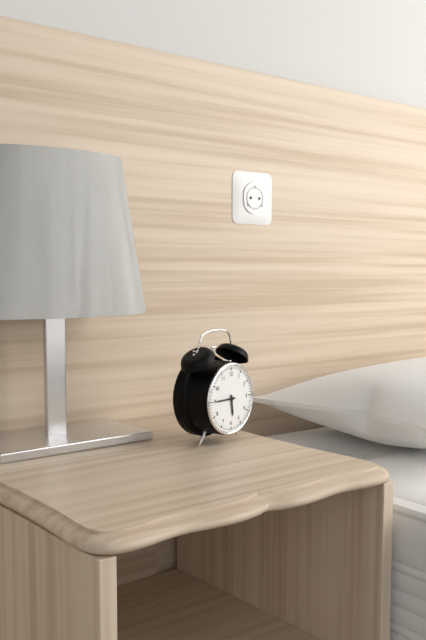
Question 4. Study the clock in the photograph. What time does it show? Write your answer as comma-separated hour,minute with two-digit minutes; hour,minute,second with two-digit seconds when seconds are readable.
5,45
